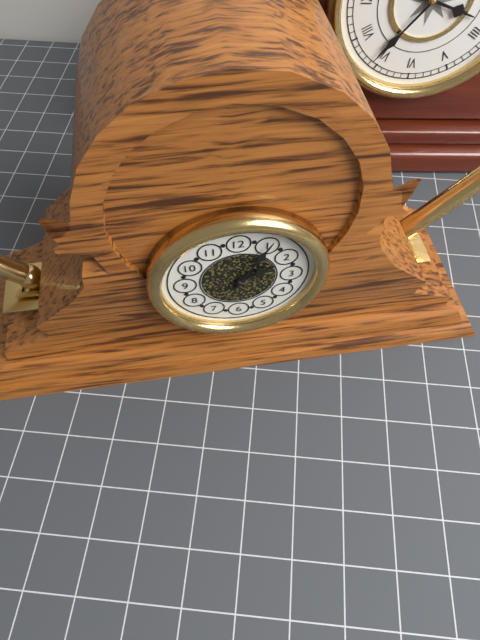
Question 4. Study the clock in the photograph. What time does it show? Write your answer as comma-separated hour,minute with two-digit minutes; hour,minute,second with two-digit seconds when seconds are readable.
2,05
